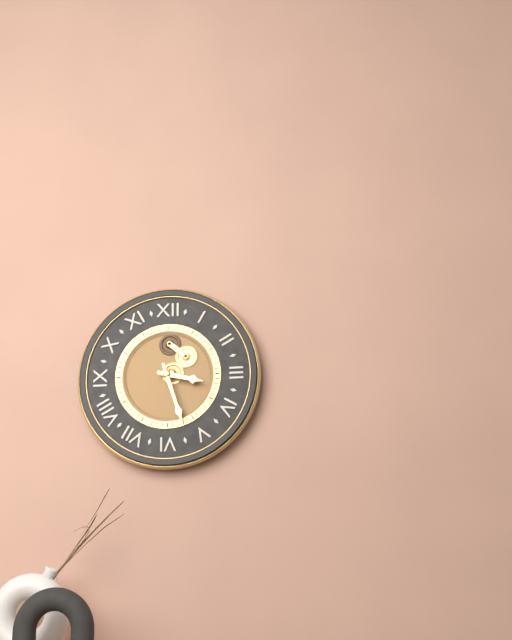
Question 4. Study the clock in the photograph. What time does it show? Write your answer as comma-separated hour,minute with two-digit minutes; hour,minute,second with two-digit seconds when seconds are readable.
3,27
